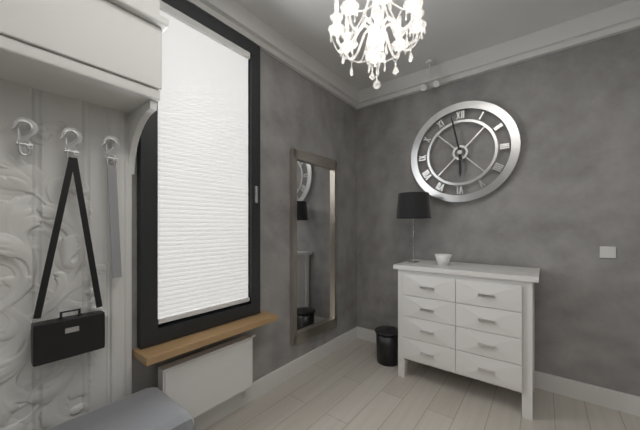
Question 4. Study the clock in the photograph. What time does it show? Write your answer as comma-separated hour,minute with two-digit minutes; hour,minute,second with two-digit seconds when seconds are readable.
5,58
